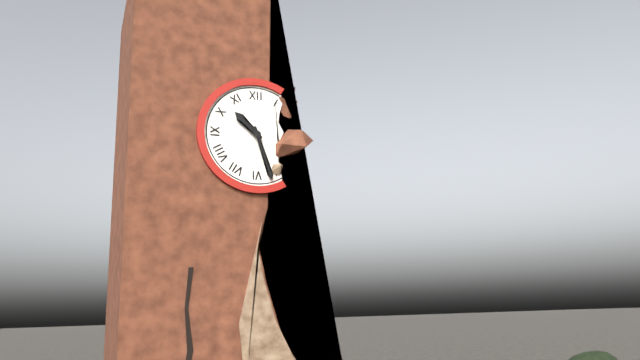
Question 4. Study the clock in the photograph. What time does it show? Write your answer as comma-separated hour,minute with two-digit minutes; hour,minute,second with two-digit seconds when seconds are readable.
10,27
